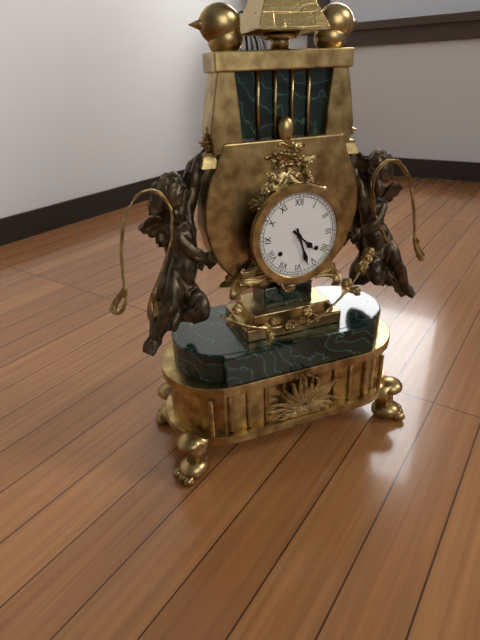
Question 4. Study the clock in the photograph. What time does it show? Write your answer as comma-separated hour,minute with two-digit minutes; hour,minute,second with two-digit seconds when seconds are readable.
4,27
